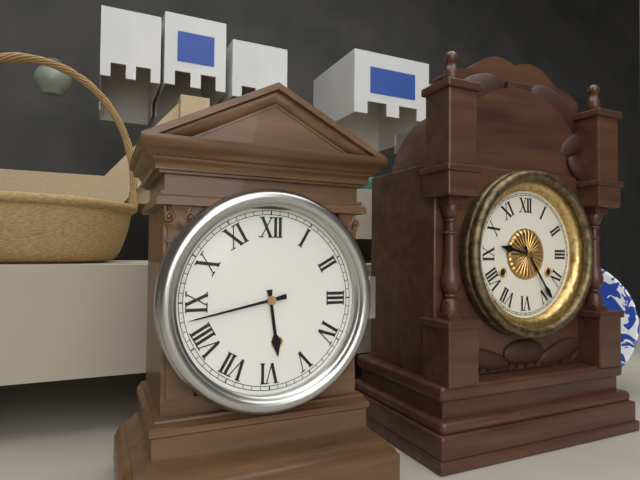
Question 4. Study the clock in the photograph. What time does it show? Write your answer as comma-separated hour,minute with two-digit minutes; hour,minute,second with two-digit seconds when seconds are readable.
5,43
